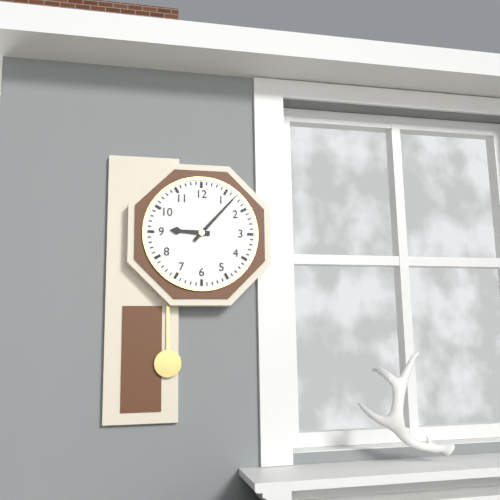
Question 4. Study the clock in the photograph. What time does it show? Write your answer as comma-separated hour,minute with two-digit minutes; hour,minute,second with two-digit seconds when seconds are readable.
9,07
